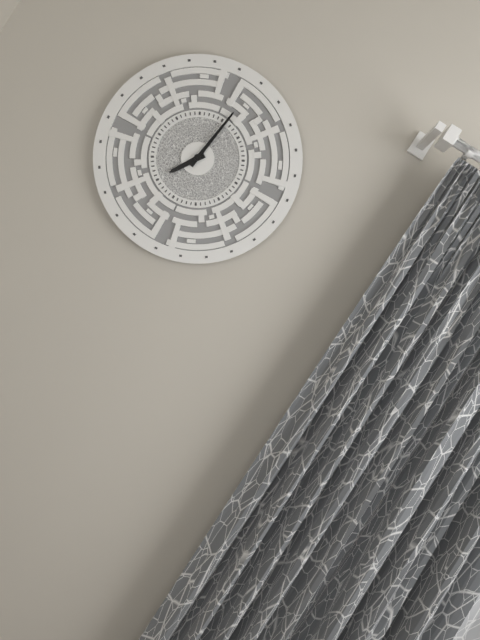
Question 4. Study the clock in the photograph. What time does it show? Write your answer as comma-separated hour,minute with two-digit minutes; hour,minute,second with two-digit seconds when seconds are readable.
7,01
